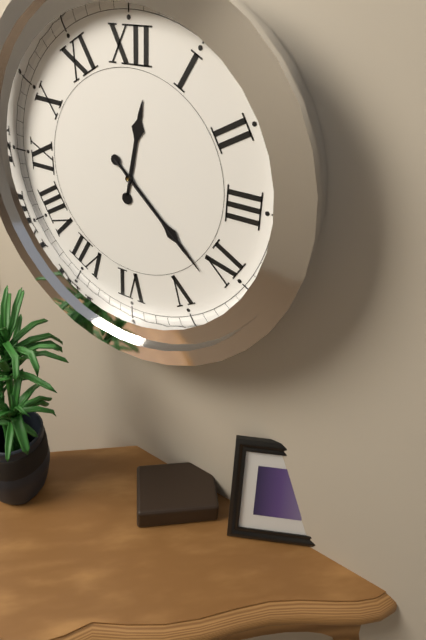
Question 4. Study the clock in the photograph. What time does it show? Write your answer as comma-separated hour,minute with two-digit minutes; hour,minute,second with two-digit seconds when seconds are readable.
12,22,22
